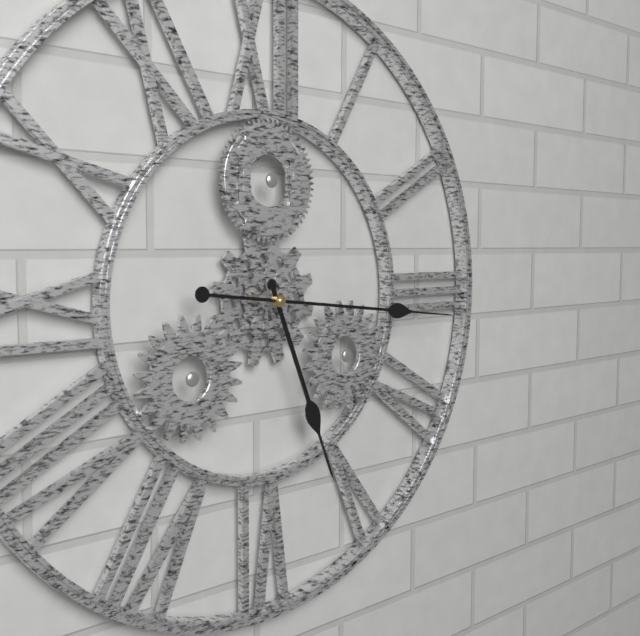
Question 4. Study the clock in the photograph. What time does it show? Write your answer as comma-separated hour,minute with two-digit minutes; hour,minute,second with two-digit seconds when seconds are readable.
5,16
